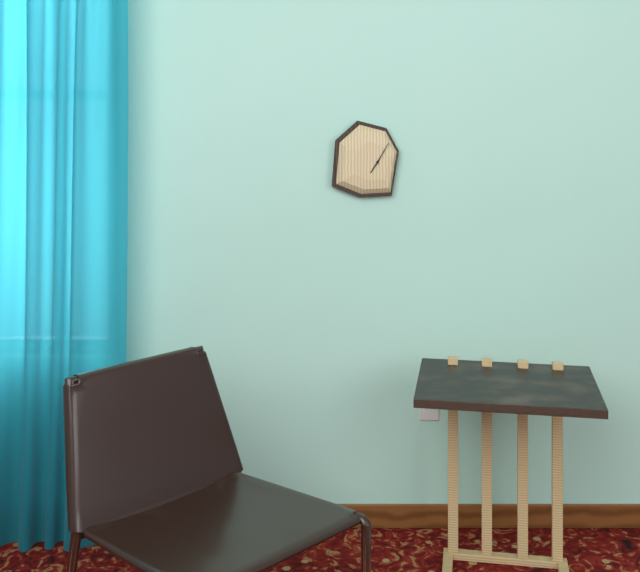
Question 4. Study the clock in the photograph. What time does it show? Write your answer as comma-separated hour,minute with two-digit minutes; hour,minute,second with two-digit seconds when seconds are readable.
7,05
